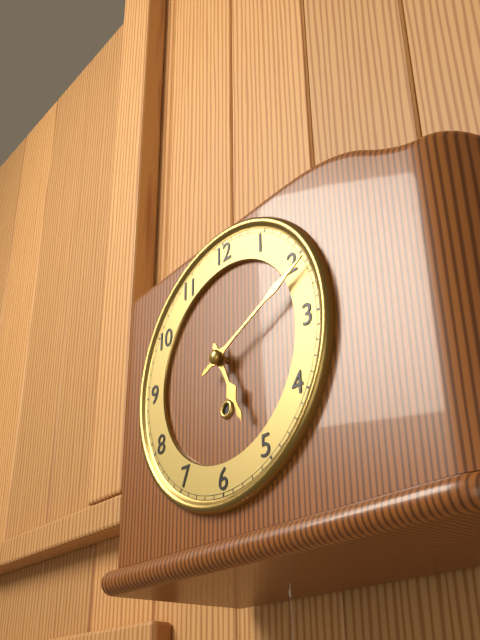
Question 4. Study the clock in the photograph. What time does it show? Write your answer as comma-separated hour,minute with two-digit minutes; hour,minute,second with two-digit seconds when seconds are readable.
5,11
